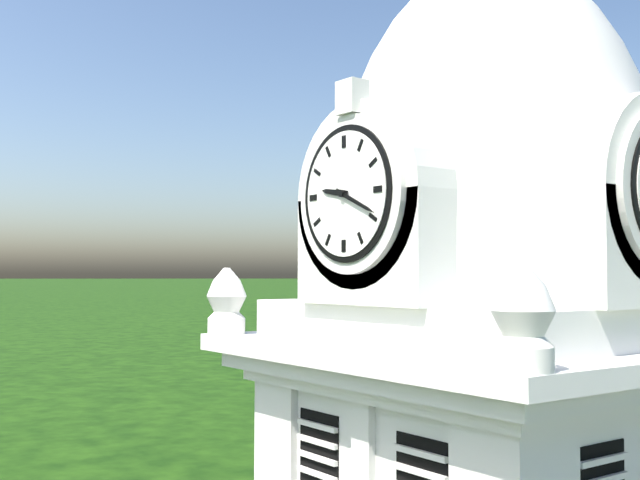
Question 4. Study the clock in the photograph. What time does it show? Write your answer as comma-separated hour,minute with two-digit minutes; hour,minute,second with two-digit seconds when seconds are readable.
9,19
